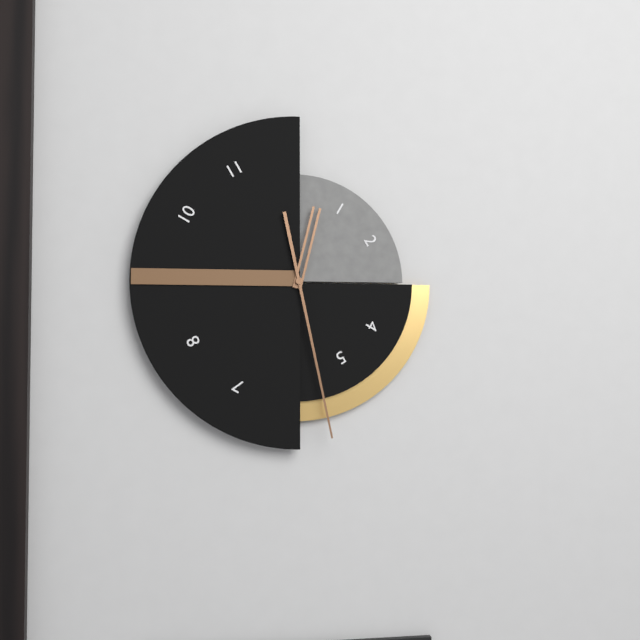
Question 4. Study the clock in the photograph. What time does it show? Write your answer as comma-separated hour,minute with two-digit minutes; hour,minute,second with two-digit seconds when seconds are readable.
12,28
